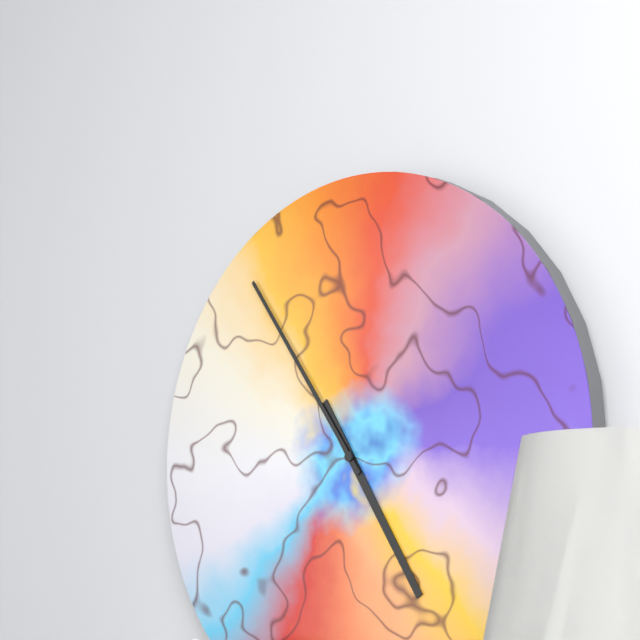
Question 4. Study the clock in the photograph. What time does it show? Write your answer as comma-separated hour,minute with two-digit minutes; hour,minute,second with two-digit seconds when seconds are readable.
4,54
